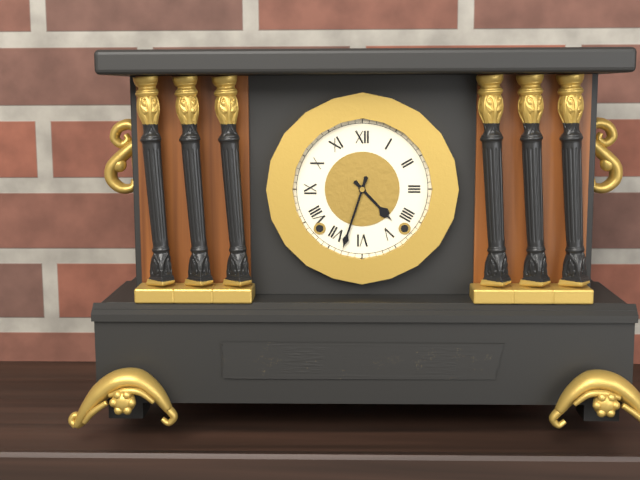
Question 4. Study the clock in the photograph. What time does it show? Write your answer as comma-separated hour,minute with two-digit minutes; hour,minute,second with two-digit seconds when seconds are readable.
4,33
